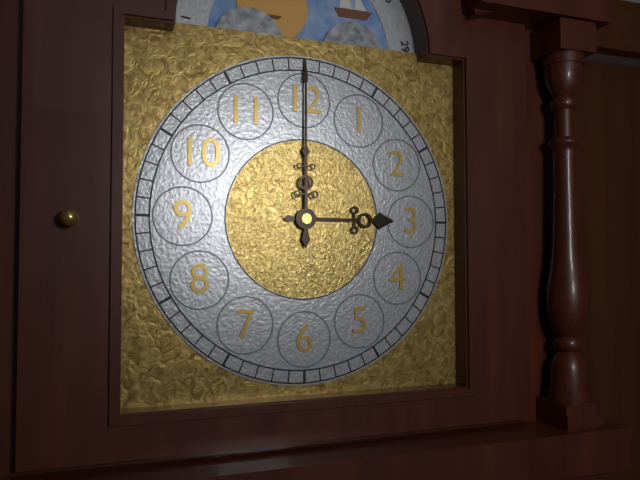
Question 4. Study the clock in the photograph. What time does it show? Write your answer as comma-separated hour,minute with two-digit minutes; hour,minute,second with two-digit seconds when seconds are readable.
3,00
